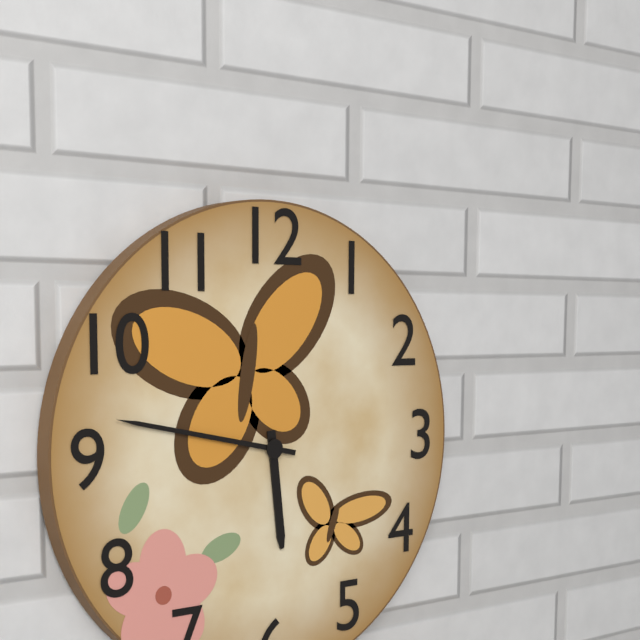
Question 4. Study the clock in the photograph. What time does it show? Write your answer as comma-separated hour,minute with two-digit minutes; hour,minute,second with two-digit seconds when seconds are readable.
5,47
